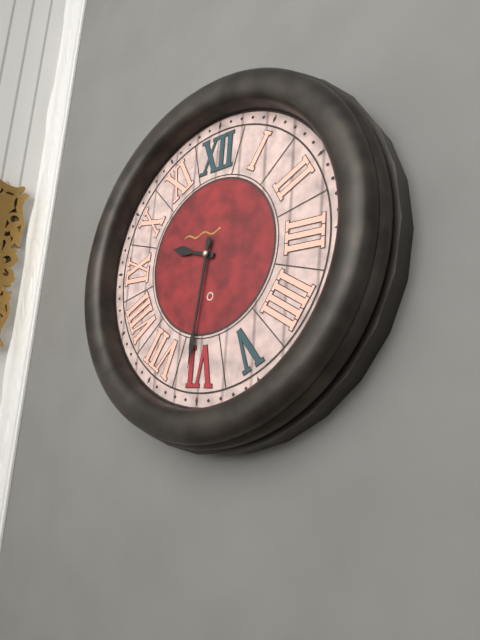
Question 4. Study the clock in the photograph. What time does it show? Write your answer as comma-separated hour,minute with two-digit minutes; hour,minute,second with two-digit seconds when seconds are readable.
9,31
